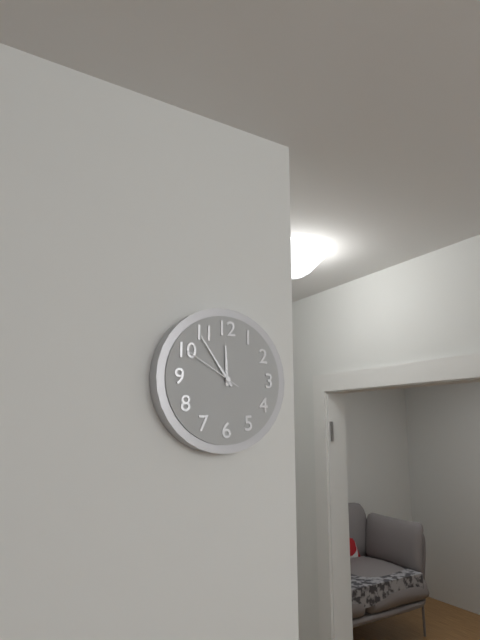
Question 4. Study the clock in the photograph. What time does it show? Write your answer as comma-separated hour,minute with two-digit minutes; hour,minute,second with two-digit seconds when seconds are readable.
11,54,50
